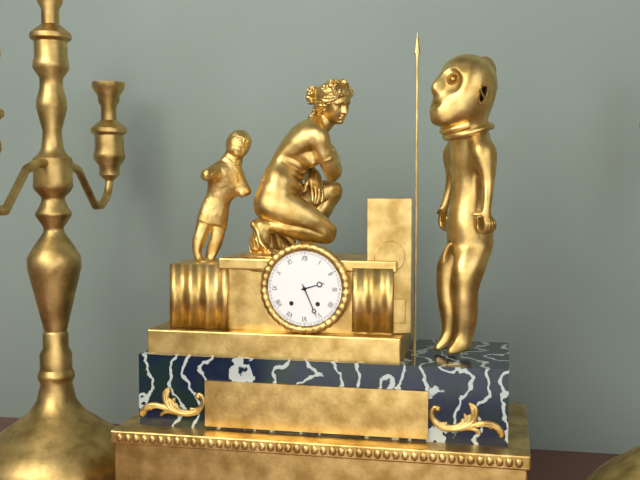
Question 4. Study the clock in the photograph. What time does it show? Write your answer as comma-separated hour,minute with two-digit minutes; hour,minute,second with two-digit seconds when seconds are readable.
2,26
